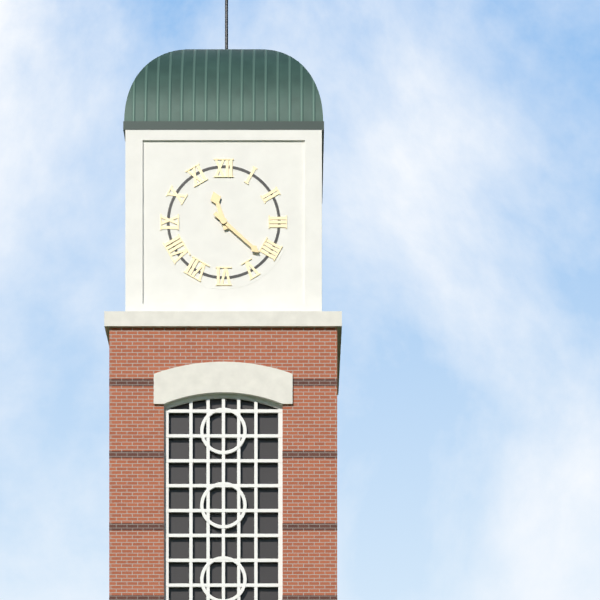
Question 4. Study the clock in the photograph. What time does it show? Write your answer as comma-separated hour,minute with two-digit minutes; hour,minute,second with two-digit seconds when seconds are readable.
11,22
